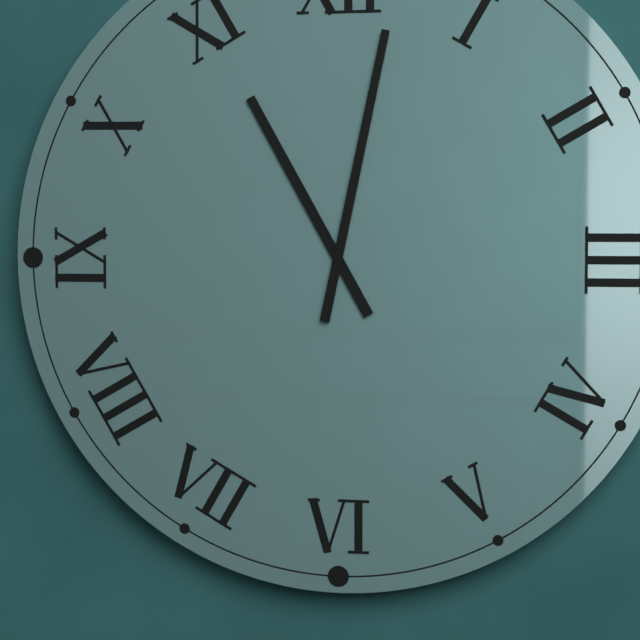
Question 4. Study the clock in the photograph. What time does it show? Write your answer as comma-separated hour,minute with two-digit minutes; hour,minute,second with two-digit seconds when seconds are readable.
11,02
